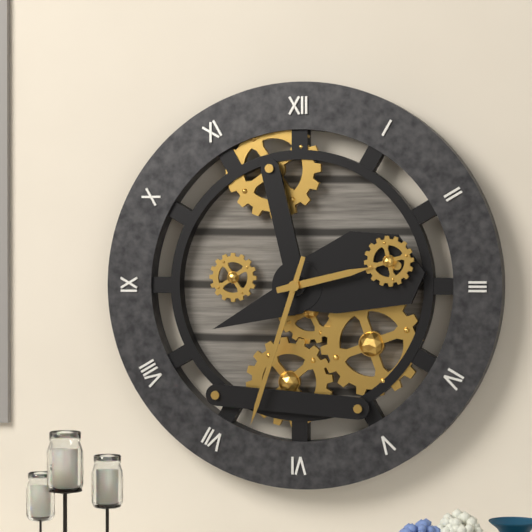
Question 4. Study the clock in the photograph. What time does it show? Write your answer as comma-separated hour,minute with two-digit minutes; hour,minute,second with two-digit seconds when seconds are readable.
2,33
